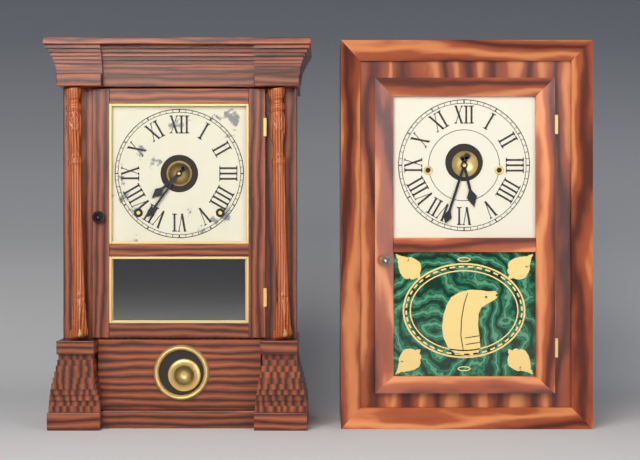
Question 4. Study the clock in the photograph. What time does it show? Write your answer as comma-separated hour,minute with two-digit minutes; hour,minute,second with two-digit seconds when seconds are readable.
7,36
